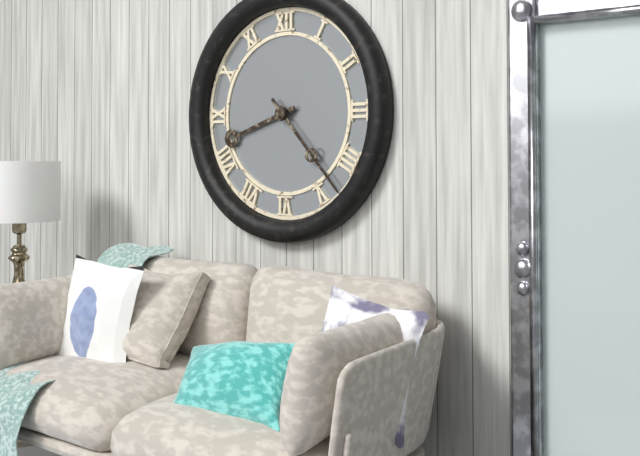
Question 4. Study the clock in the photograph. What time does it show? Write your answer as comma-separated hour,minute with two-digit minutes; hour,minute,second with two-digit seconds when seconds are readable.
8,23
